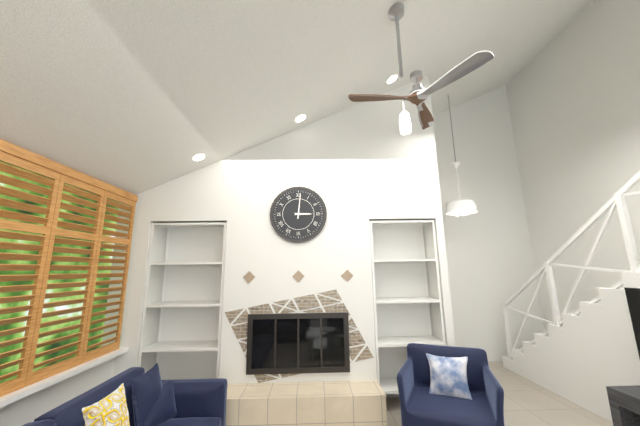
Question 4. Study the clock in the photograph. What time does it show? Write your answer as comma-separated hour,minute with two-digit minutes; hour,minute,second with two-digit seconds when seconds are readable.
3,01
